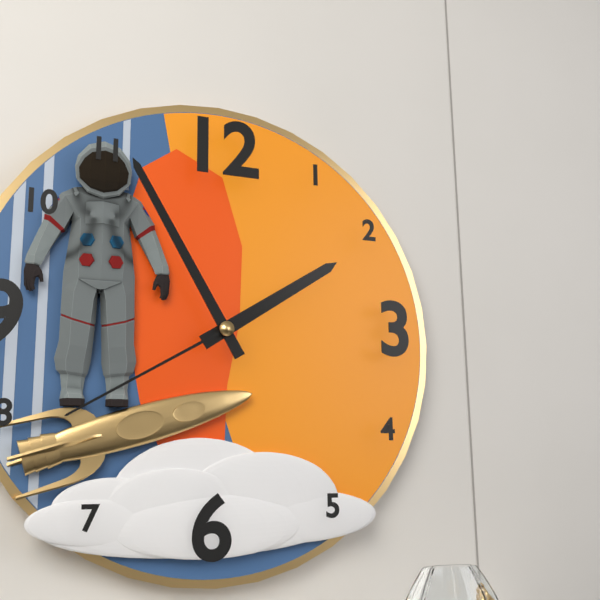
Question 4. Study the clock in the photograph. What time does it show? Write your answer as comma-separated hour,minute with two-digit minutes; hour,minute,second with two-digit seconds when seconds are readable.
1,55,40
